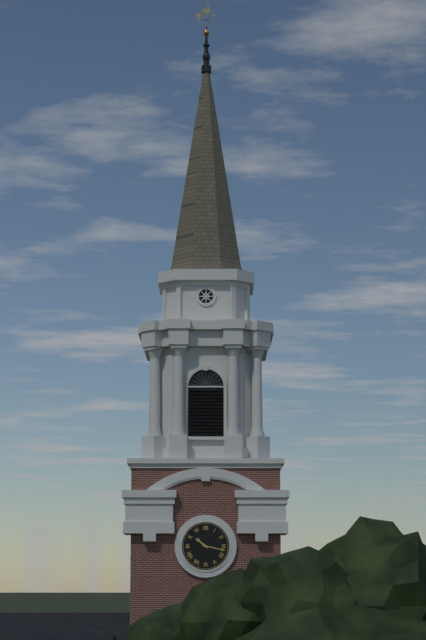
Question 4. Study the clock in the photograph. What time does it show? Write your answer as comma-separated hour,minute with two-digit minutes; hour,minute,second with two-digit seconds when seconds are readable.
10,17
